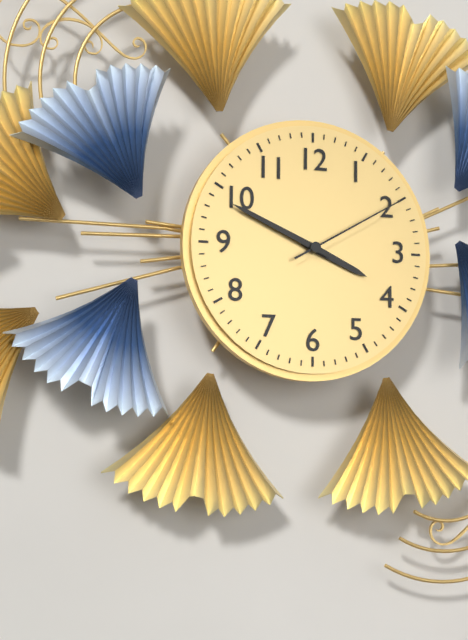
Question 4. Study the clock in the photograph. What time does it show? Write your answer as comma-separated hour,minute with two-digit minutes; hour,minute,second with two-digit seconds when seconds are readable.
3,49,10
